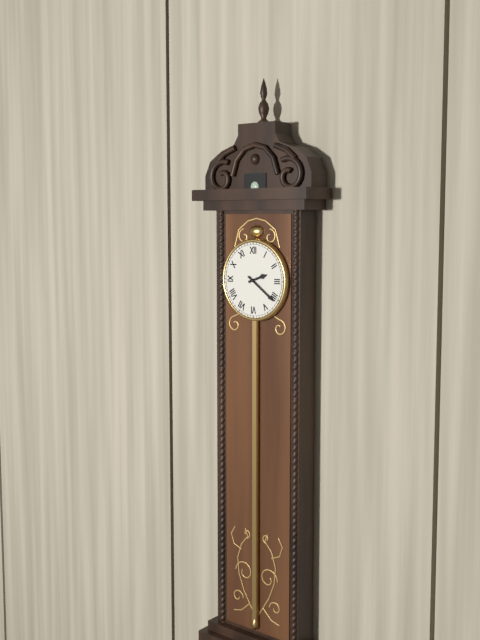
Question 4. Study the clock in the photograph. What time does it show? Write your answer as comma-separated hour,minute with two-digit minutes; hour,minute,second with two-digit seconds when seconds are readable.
2,21
